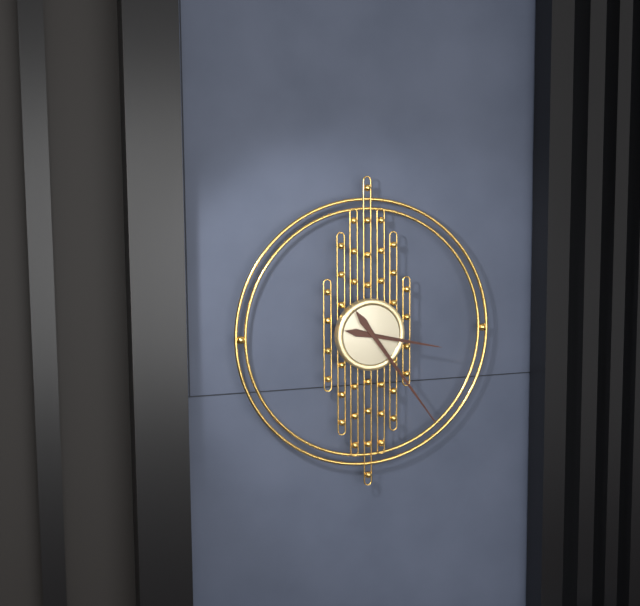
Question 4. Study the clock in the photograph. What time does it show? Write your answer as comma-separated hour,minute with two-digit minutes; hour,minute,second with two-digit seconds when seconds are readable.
3,24
